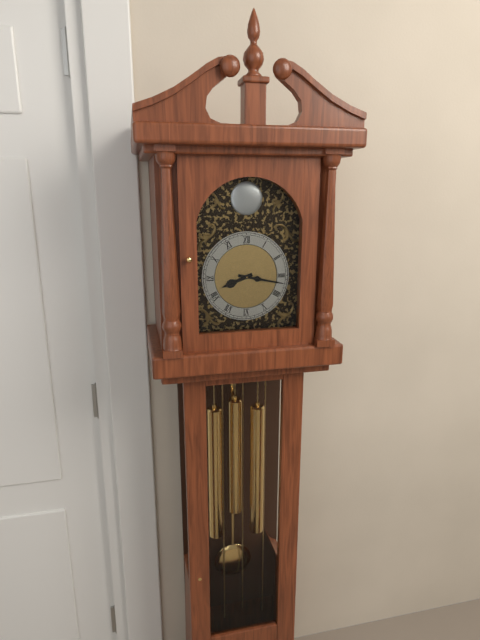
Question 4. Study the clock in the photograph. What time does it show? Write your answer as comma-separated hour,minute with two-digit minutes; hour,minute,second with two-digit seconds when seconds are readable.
8,17
